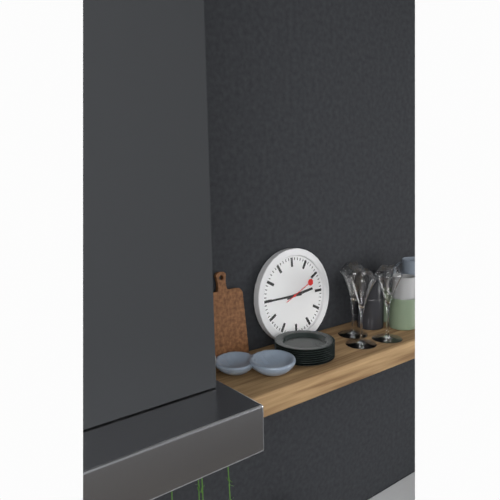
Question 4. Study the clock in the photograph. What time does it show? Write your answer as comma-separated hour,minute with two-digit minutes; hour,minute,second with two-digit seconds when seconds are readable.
2,45
